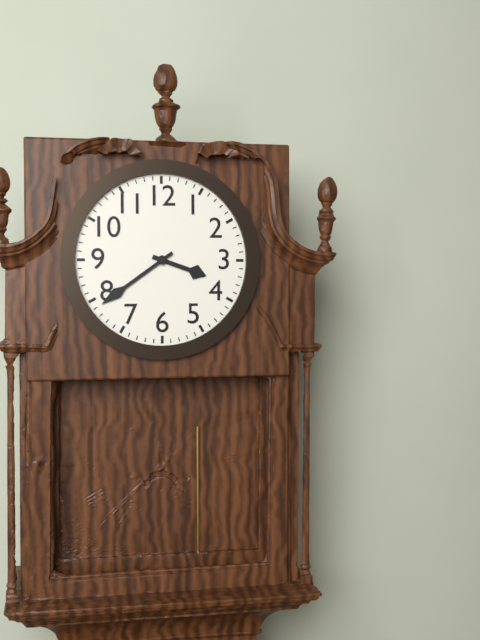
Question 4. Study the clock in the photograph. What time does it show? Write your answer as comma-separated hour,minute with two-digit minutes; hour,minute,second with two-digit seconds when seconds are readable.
3,39
